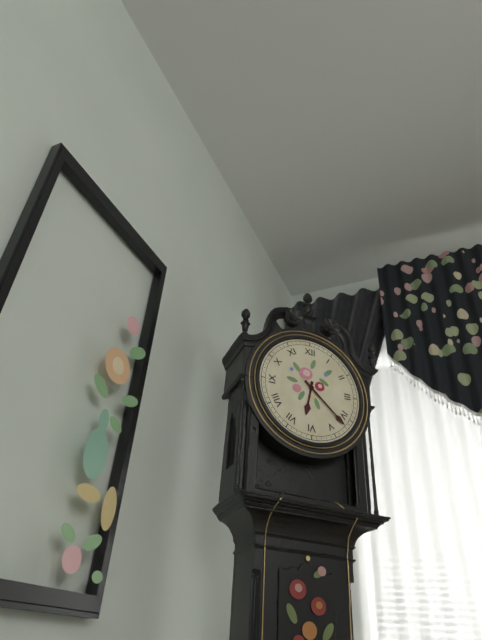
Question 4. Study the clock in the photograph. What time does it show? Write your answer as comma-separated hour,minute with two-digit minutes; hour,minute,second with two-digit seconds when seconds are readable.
6,22
